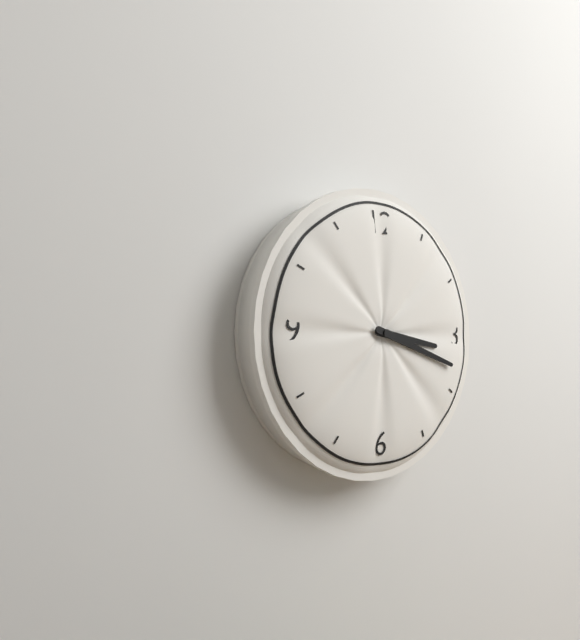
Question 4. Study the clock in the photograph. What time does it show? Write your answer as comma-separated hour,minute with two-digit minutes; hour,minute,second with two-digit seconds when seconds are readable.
3,18
